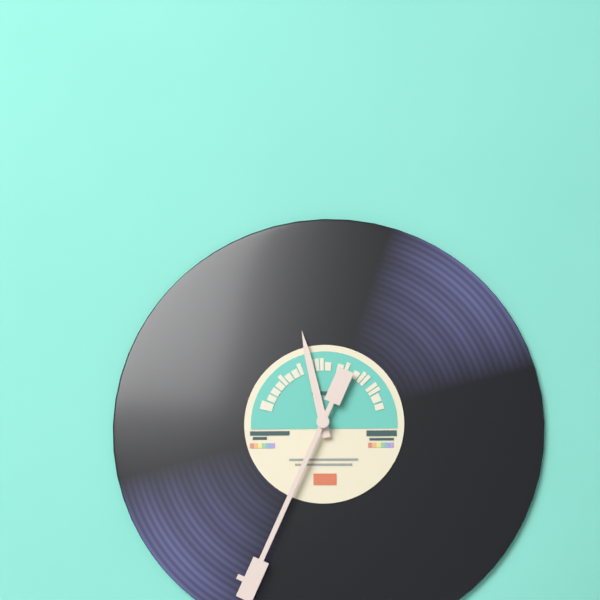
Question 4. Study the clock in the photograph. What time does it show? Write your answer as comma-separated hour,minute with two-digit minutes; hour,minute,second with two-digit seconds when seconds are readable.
11,34
